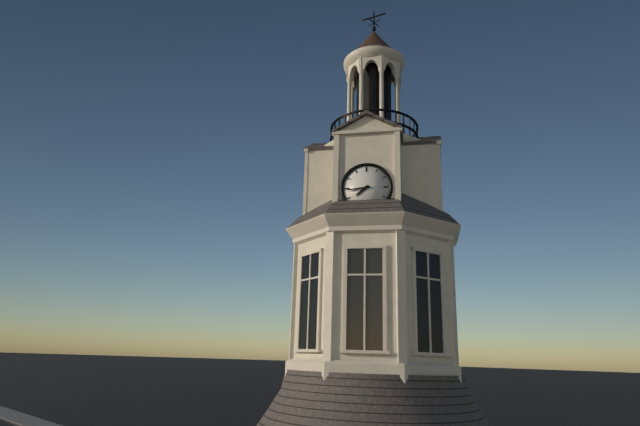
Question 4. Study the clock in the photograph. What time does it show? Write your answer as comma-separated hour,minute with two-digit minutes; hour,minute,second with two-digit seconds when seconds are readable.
7,44
